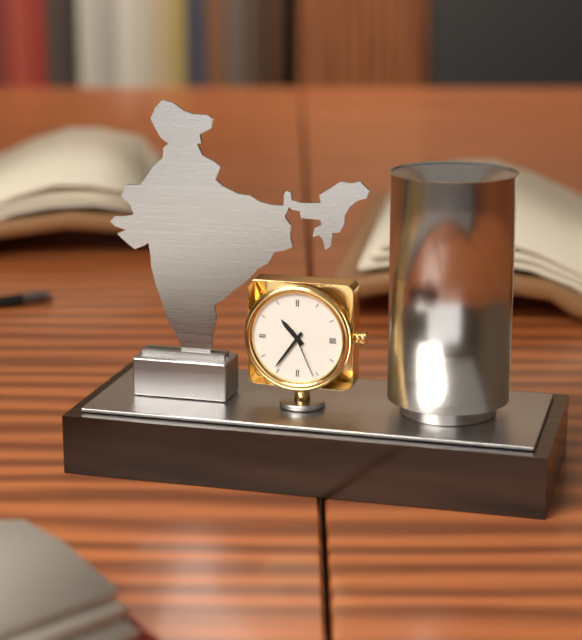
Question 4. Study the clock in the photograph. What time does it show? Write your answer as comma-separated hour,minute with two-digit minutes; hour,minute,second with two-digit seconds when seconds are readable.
10,36,26
